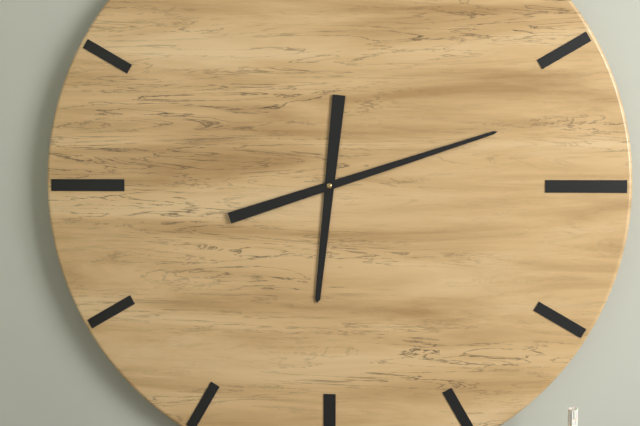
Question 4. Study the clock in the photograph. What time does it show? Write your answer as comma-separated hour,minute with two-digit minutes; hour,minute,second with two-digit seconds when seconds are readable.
6,12
